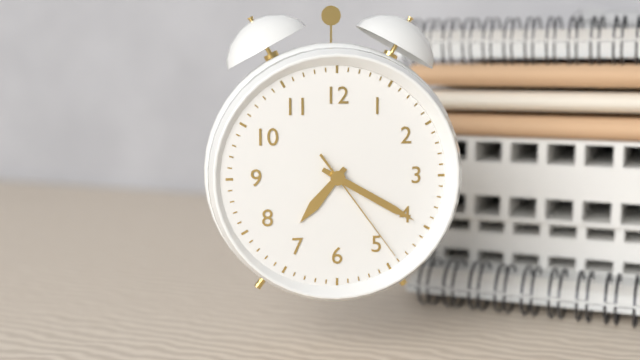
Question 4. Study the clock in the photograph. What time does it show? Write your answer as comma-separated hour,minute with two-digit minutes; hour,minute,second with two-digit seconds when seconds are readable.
7,20,24
